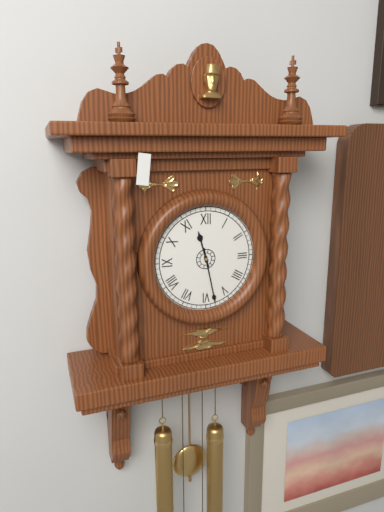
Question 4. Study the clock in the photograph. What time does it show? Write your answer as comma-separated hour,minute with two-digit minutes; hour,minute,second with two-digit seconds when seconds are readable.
11,28
